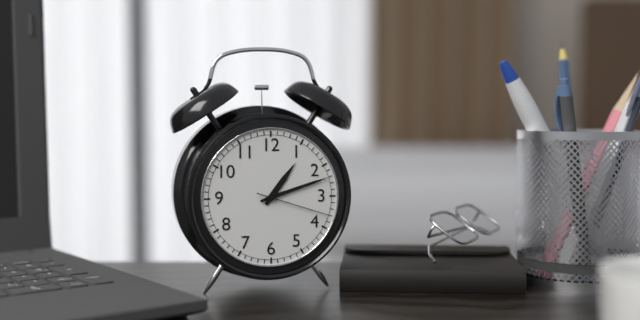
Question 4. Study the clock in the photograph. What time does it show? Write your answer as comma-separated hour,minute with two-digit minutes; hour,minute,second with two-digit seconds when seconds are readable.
1,12,18
